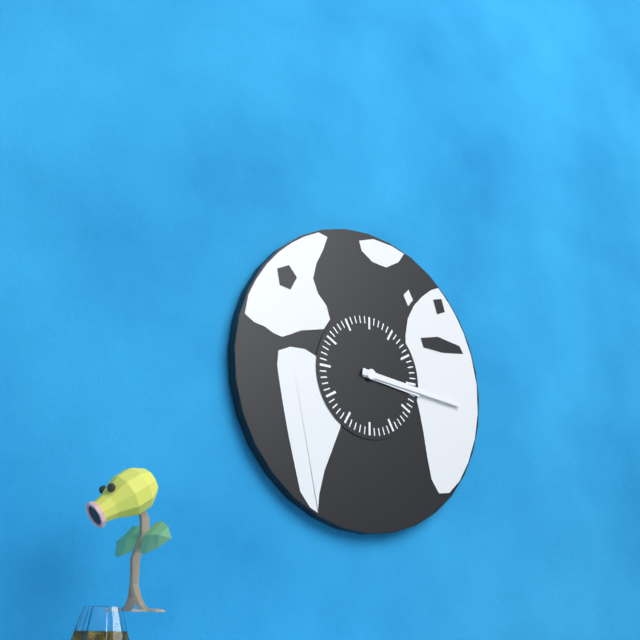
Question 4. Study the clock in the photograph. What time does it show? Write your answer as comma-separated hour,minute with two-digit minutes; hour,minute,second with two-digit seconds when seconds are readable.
3,16
